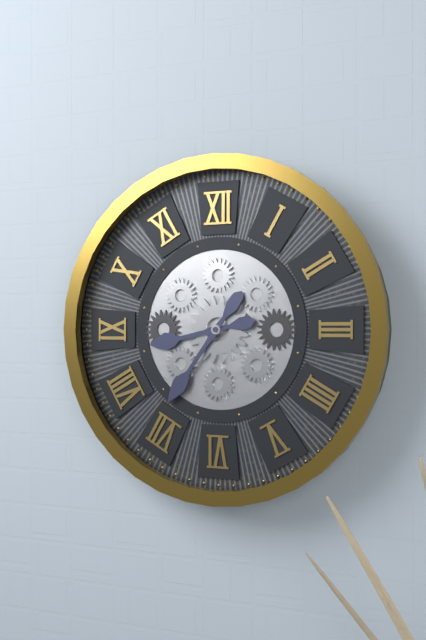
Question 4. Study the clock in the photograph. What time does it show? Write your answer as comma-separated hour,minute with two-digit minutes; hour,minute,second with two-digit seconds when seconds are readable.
8,36
